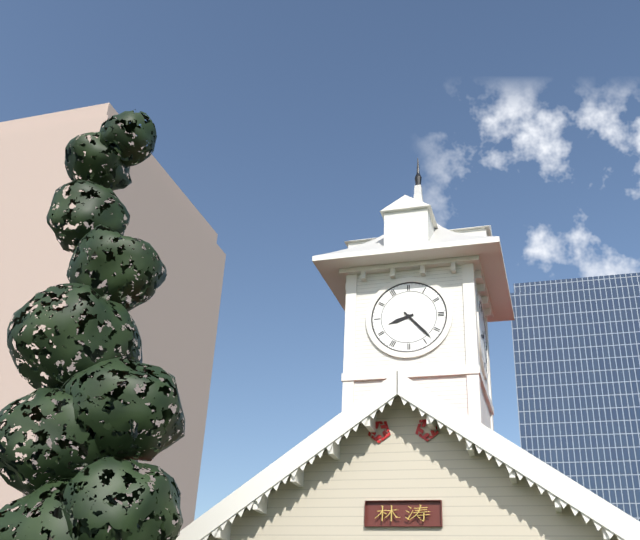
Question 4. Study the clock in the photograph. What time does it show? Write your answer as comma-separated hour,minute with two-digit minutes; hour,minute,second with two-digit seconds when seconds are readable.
8,23
